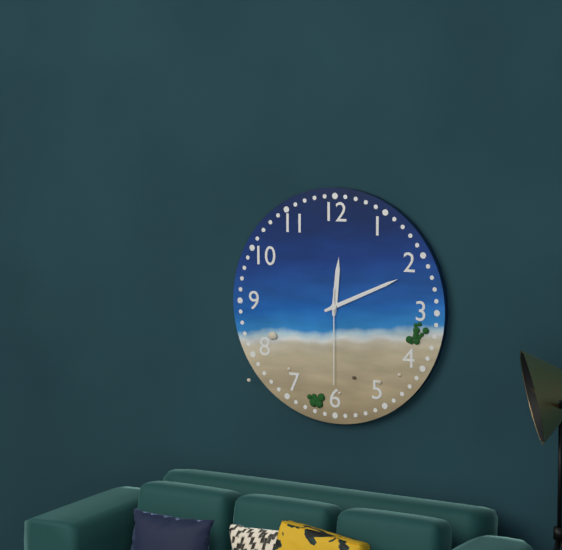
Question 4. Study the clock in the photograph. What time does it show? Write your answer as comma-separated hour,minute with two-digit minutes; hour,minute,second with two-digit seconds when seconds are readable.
12,11,30
